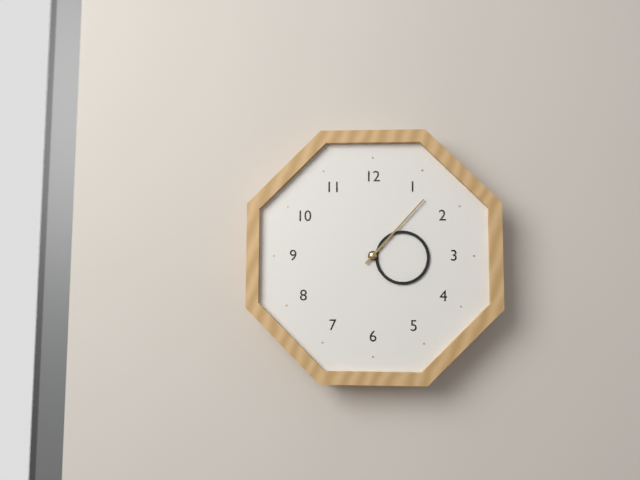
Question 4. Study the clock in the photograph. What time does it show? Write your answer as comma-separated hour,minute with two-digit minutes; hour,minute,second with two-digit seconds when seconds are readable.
3,07
